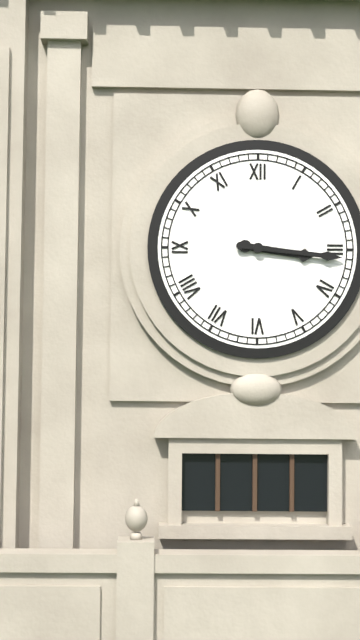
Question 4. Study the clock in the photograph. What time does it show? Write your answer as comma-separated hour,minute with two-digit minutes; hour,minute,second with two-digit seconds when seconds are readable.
3,16
